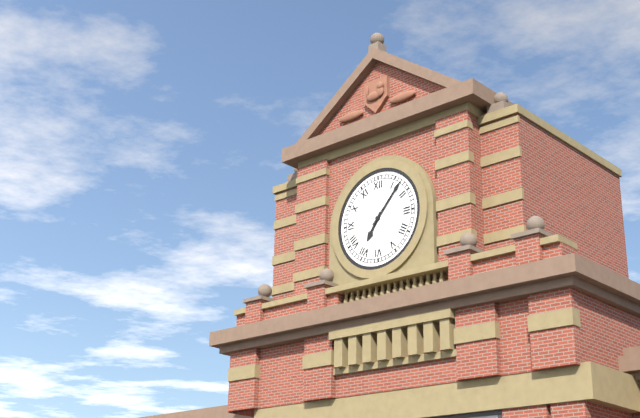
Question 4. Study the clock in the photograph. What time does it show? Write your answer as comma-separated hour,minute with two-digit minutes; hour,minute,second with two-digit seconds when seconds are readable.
7,07
